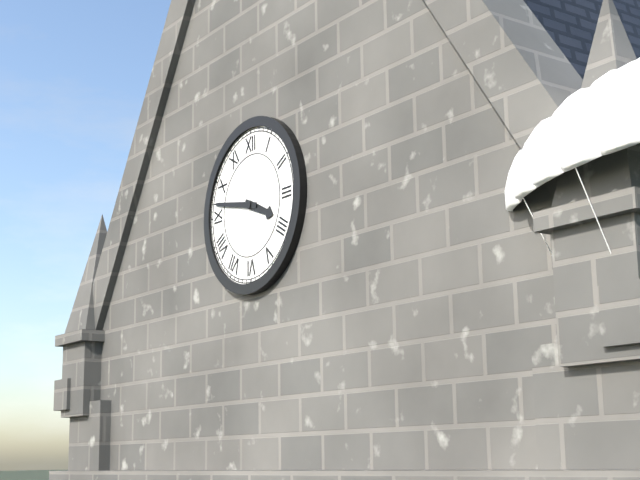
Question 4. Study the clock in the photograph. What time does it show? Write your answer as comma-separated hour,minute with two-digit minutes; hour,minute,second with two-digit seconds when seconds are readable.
3,47
